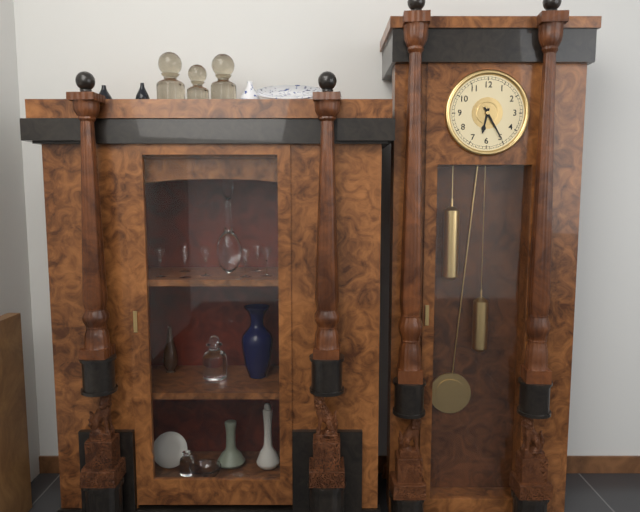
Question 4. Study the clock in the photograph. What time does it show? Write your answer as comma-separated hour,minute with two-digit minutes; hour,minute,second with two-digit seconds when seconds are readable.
6,25
